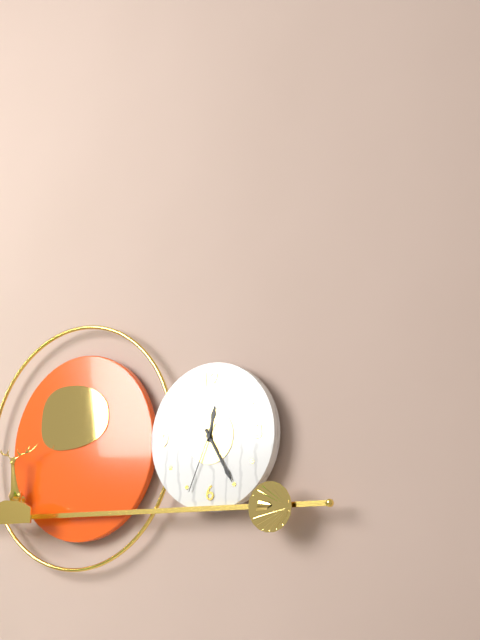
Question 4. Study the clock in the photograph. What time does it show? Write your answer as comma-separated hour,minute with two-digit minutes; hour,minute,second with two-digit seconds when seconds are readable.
12,25,34
